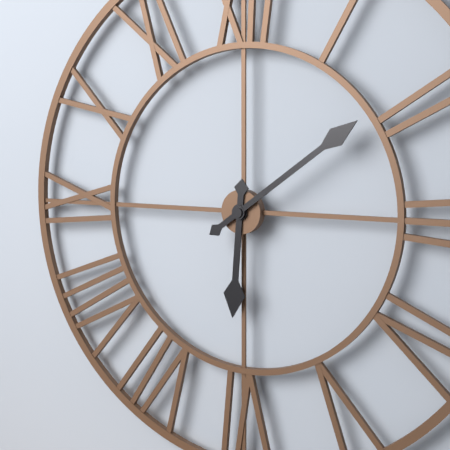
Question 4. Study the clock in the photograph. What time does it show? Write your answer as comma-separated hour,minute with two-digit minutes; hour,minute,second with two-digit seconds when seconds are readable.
6,09
